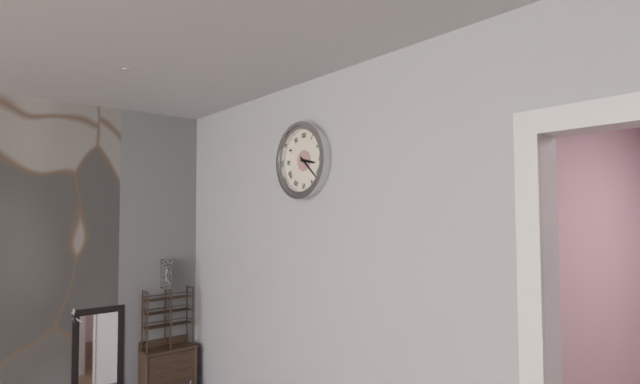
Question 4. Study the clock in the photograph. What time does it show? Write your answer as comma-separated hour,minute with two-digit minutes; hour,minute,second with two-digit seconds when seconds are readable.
3,22
